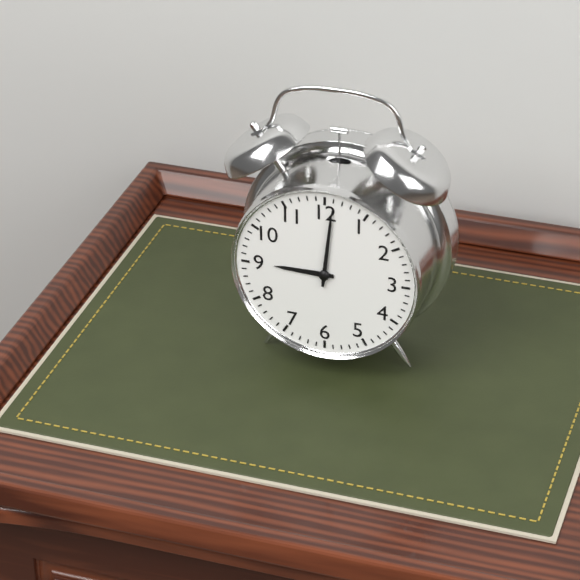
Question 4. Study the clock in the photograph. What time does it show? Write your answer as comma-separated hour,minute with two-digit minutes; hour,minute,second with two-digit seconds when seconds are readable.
9,01
